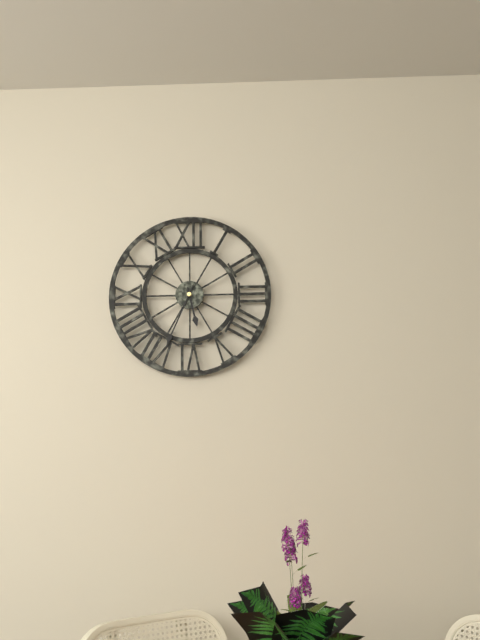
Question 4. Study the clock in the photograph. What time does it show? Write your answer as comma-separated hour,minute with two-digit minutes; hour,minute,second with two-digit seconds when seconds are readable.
5,34
